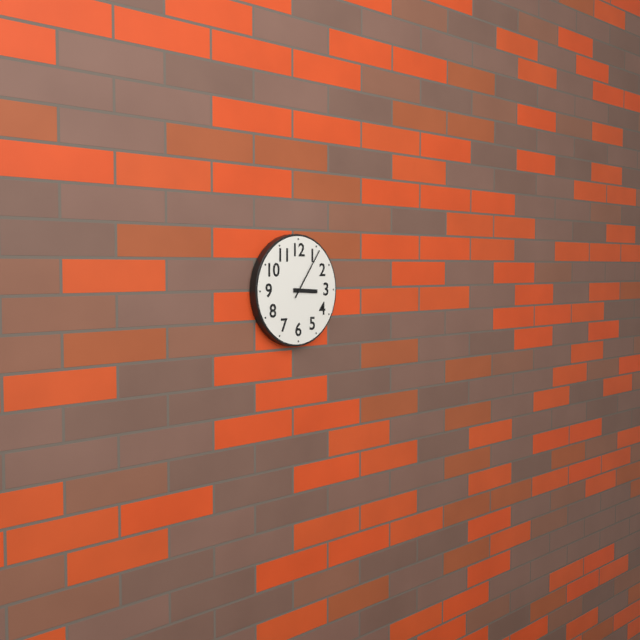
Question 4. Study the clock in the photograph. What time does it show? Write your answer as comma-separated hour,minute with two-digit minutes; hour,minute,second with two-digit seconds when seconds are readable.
3,06
